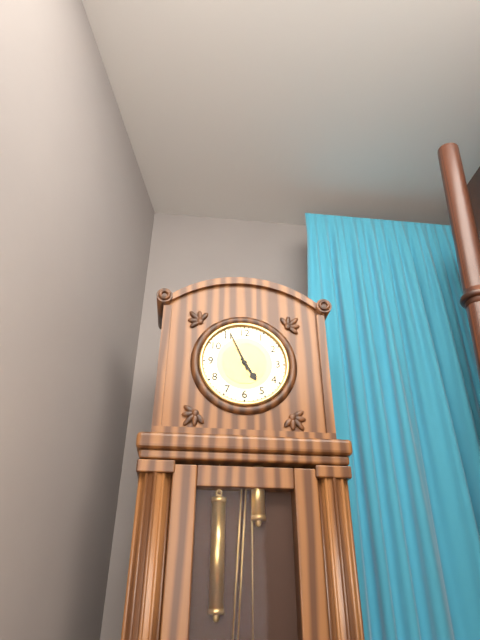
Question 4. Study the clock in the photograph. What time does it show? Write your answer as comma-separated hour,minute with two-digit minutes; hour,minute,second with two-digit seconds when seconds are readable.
4,56
